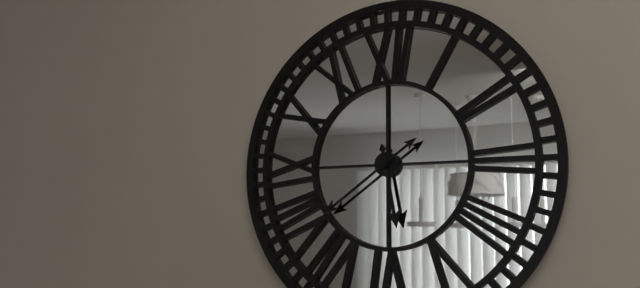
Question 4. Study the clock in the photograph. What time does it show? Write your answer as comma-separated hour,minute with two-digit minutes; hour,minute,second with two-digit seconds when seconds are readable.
5,39
